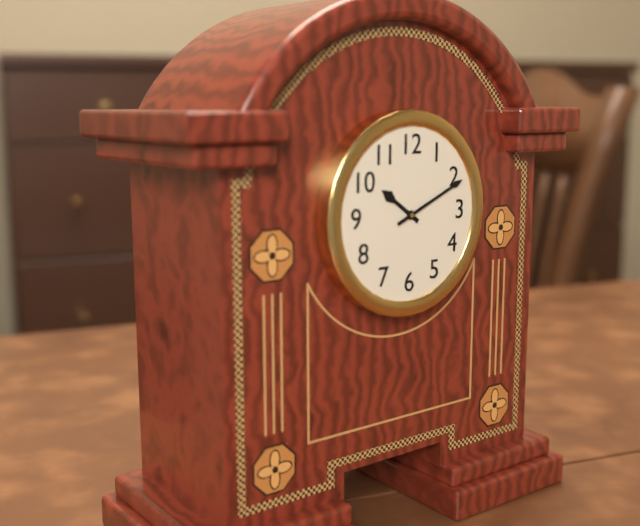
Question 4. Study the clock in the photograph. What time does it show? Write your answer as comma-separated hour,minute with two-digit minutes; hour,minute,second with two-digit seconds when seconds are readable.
10,11
